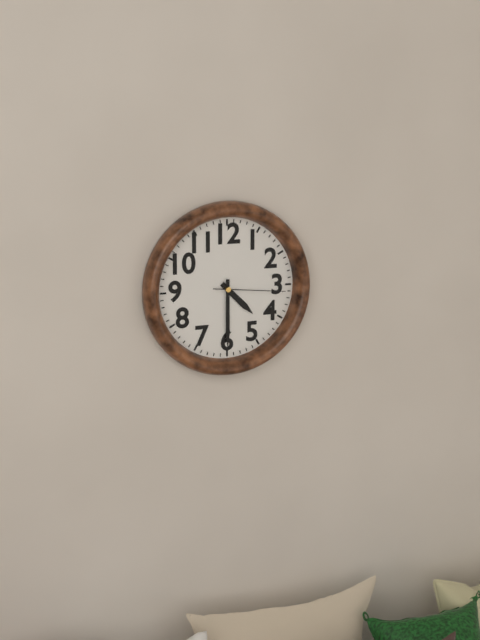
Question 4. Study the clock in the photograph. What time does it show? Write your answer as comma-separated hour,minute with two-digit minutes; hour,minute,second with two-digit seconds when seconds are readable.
4,30,16
